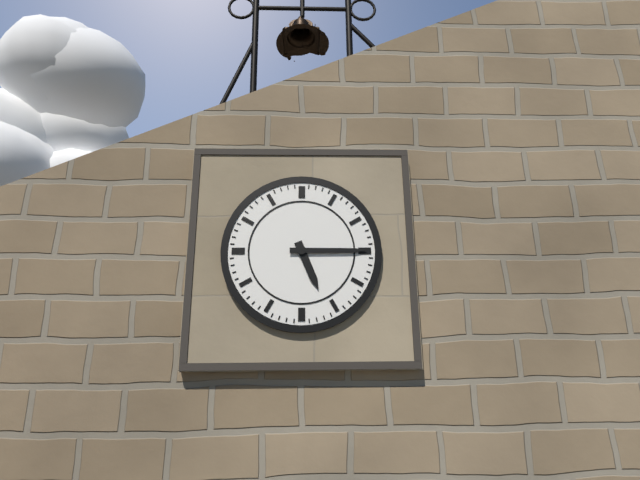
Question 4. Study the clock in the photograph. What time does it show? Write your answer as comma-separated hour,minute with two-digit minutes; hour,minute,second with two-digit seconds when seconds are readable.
5,15
